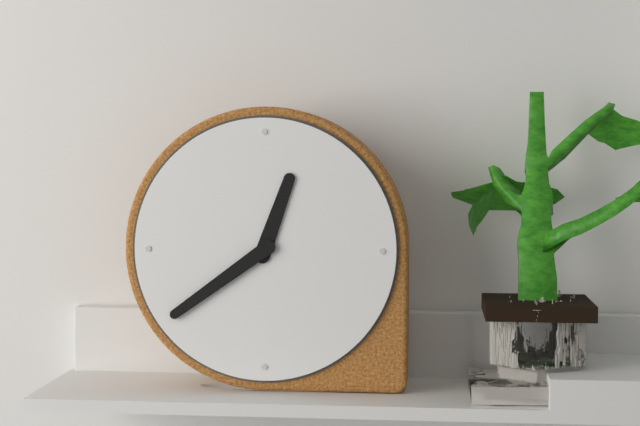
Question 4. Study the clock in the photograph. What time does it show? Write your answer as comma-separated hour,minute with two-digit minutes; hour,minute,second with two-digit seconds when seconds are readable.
12,39
